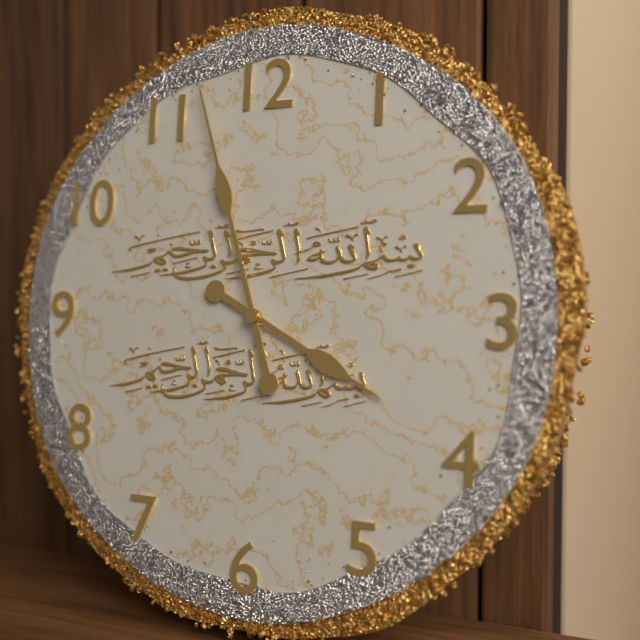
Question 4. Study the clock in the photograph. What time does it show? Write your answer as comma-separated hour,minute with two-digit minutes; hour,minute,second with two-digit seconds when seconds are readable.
3,57
